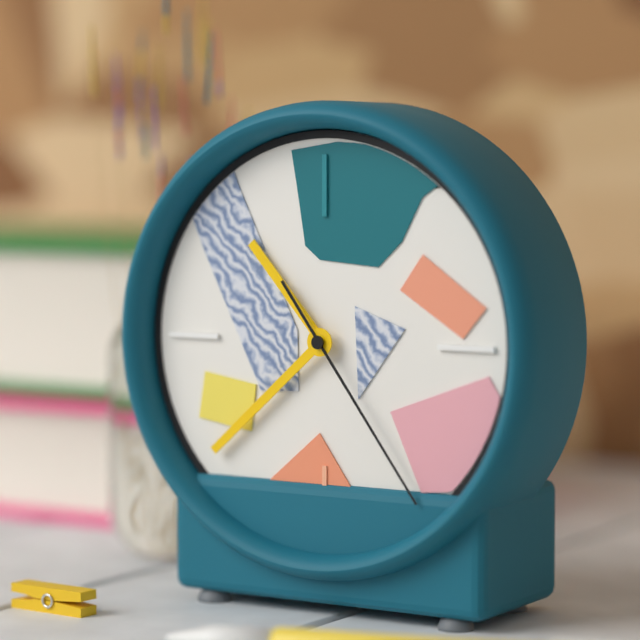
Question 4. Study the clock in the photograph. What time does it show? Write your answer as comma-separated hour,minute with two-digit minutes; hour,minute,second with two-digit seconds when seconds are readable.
10,38,24
